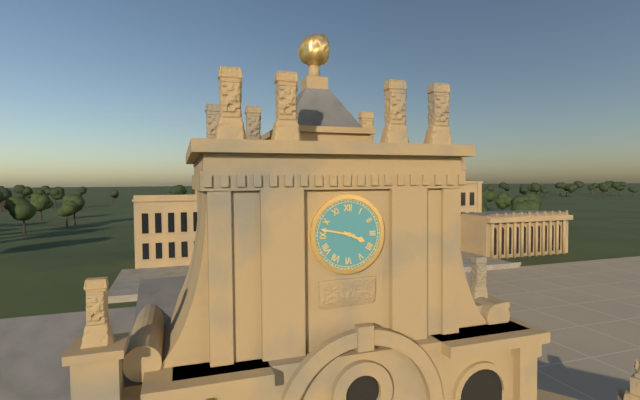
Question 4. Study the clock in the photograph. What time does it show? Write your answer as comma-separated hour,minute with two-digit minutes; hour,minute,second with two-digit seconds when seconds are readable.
3,47
